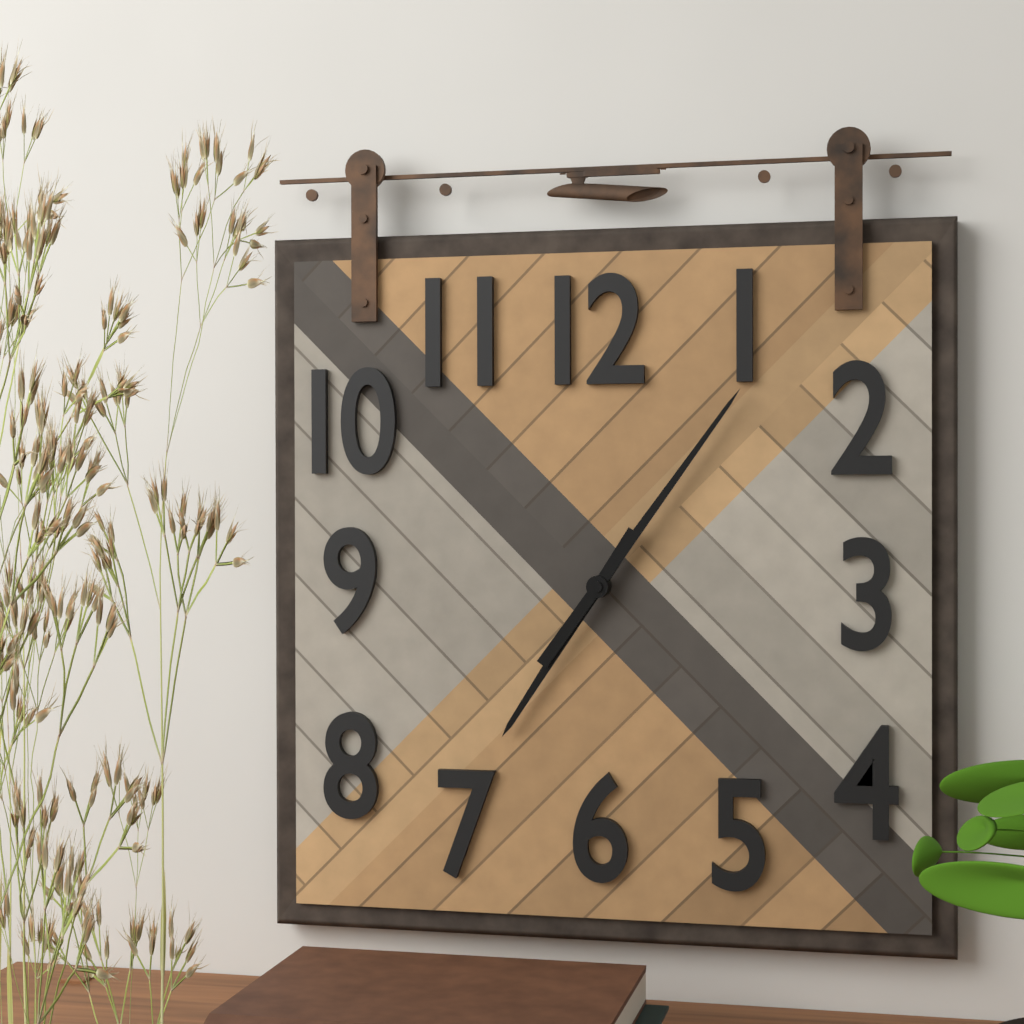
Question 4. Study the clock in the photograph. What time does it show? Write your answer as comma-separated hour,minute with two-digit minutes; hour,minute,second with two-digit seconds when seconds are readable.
7,06
